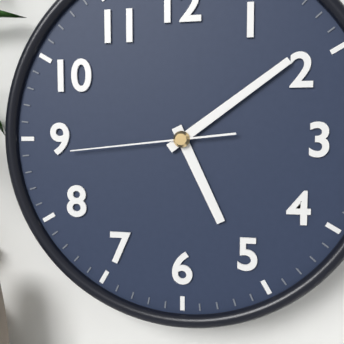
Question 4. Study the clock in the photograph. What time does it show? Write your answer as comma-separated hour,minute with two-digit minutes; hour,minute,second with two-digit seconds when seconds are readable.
5,09,44
